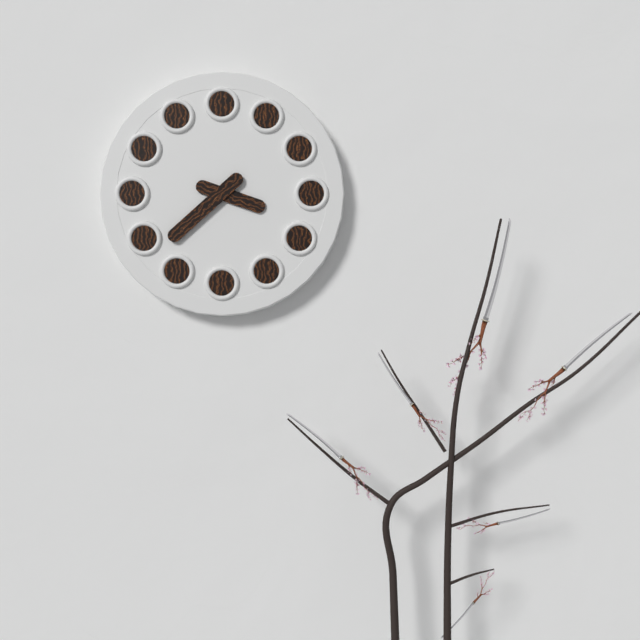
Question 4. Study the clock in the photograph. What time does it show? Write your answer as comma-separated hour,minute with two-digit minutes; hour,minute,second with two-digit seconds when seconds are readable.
3,38
